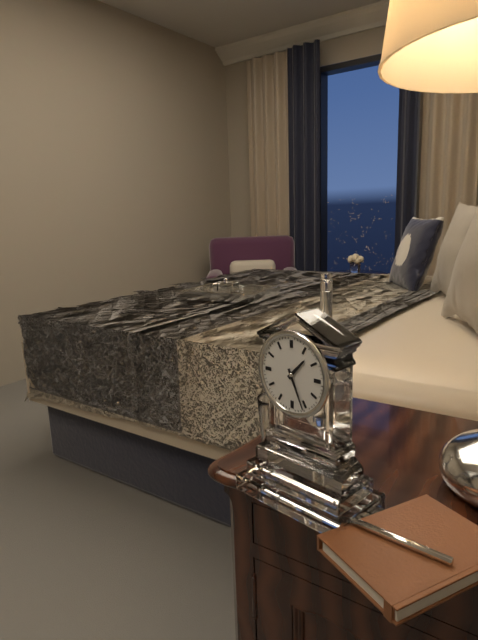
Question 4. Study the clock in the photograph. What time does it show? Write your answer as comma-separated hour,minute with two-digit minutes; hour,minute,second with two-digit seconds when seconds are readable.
1,26
